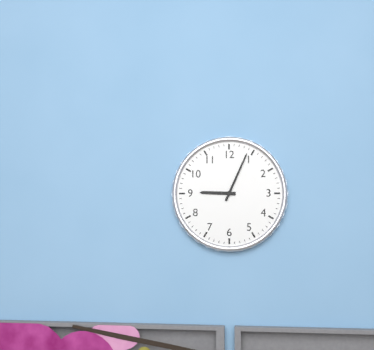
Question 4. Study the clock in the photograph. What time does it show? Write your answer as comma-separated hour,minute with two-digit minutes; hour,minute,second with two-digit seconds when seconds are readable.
9,04
